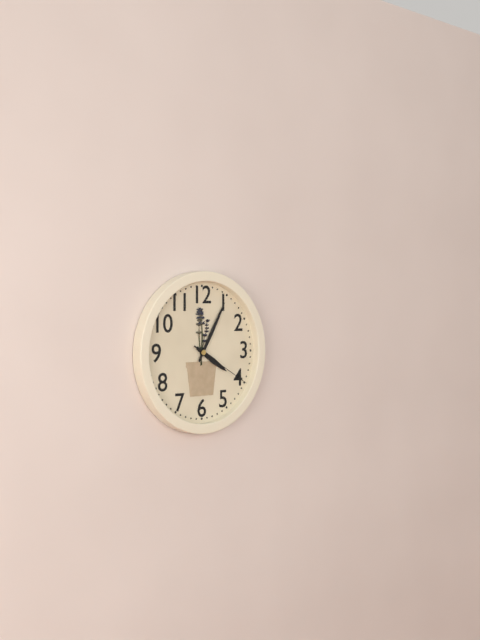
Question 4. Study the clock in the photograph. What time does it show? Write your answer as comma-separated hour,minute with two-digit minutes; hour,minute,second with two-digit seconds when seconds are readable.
4,05,20
